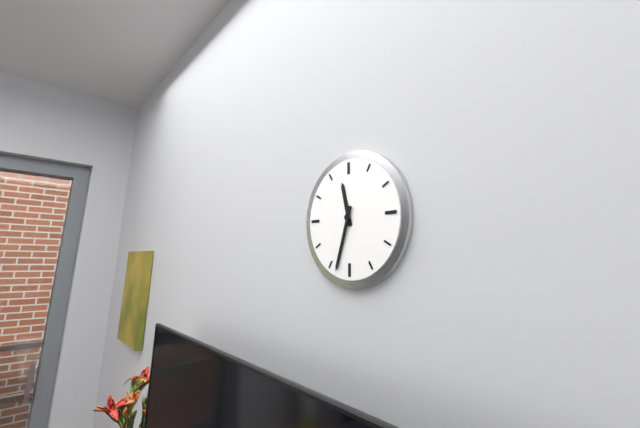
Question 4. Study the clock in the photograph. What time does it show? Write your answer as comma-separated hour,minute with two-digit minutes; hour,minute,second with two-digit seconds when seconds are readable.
11,33
